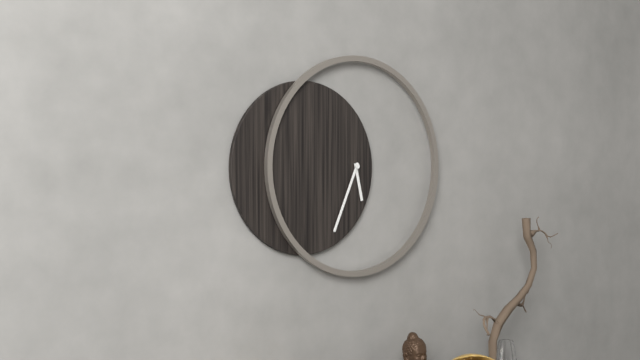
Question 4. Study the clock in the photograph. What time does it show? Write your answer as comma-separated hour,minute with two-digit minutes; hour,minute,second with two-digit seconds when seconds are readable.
5,34
